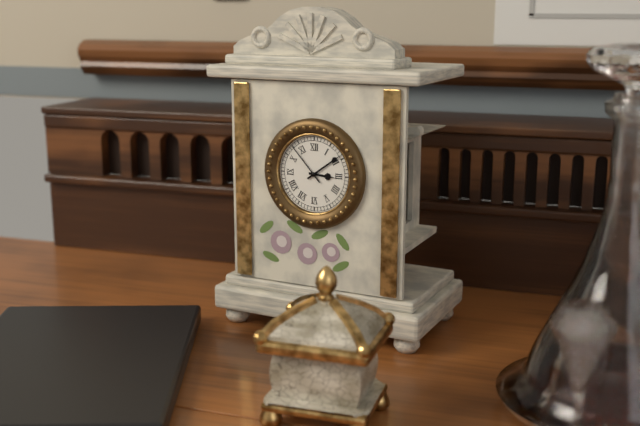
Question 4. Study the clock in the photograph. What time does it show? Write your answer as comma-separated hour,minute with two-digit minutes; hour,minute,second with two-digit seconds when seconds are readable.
3,09
